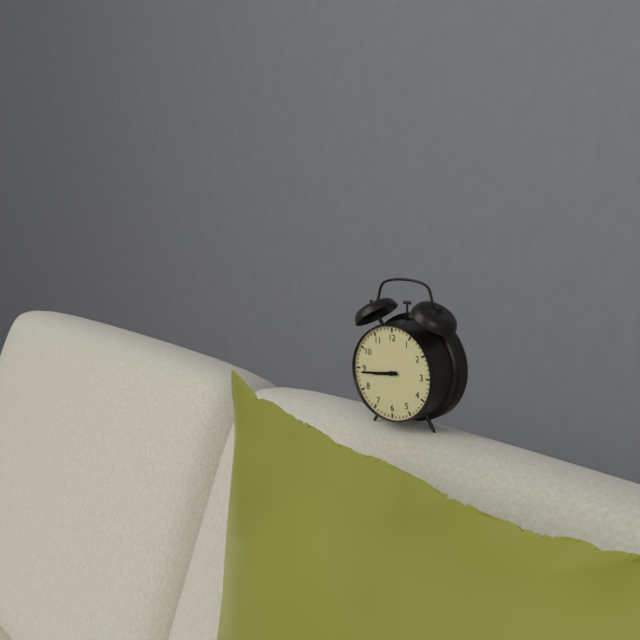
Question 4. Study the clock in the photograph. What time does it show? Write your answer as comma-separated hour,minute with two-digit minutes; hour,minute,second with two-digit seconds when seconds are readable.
8,44
